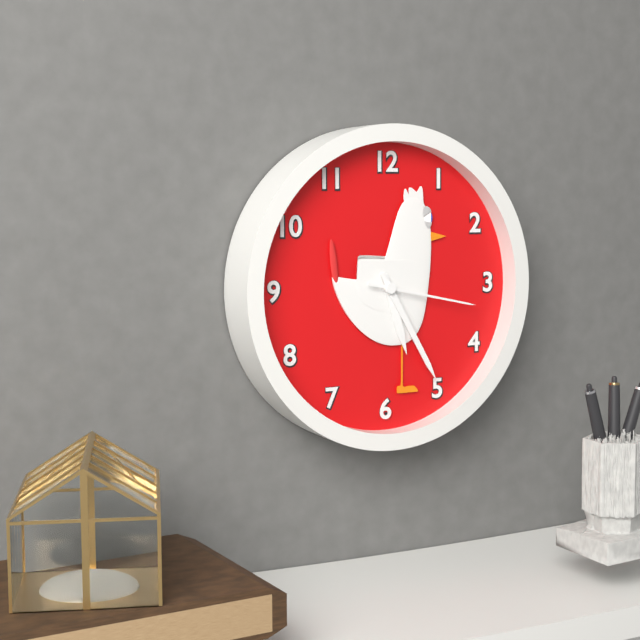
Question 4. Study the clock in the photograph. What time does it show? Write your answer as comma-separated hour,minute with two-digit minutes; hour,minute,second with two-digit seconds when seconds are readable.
5,25,17
